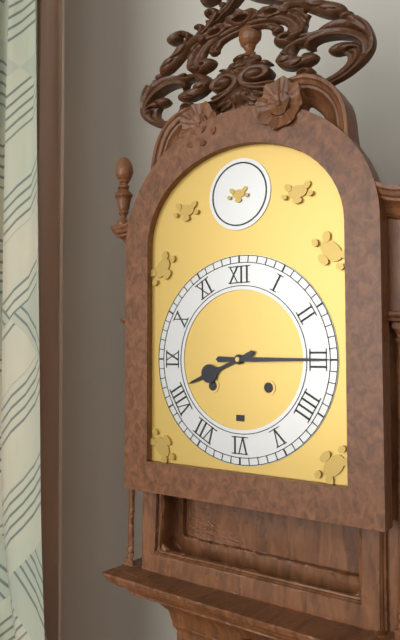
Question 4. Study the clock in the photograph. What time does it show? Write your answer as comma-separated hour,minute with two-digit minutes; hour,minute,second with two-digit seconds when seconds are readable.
8,15
